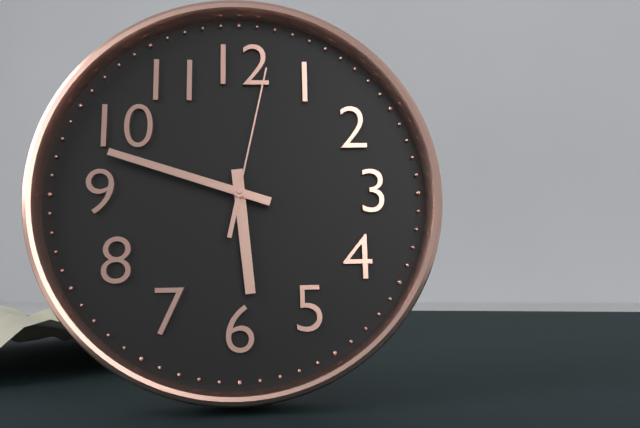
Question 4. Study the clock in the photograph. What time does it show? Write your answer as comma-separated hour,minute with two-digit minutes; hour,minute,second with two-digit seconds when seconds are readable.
5,48,02
